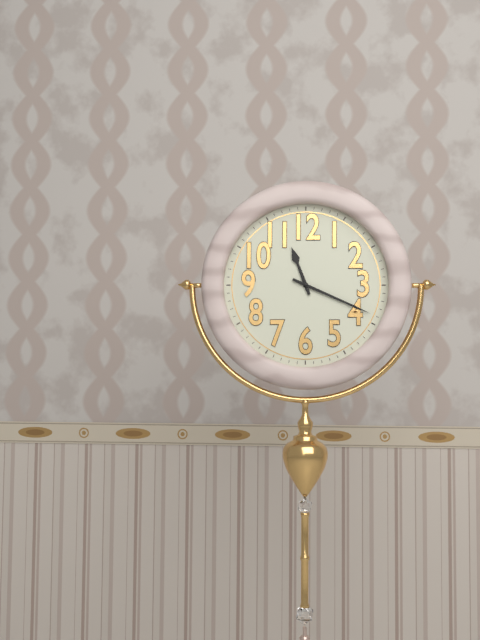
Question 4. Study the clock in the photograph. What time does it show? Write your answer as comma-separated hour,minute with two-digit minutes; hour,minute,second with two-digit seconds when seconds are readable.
11,19
